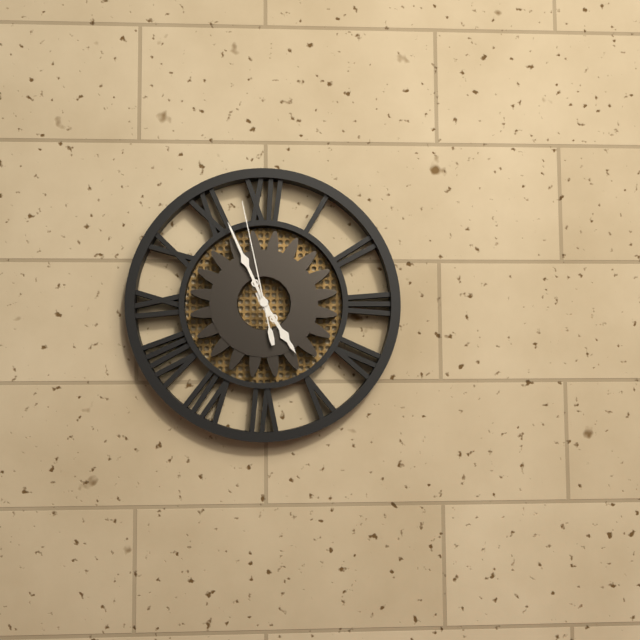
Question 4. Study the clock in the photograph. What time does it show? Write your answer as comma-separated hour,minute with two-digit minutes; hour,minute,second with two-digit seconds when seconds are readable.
4,56,58
